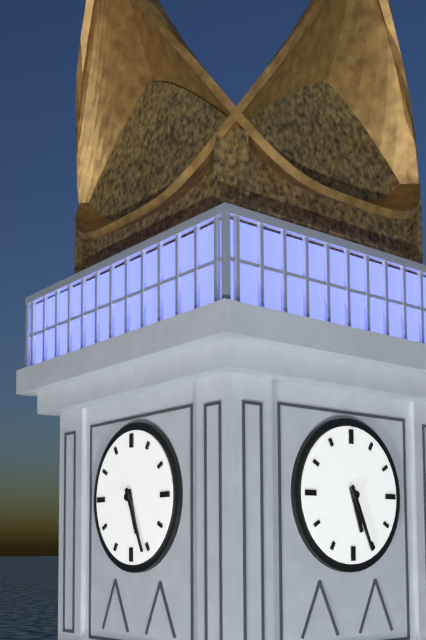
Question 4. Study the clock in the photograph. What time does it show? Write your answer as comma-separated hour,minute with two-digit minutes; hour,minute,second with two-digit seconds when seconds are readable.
5,26
